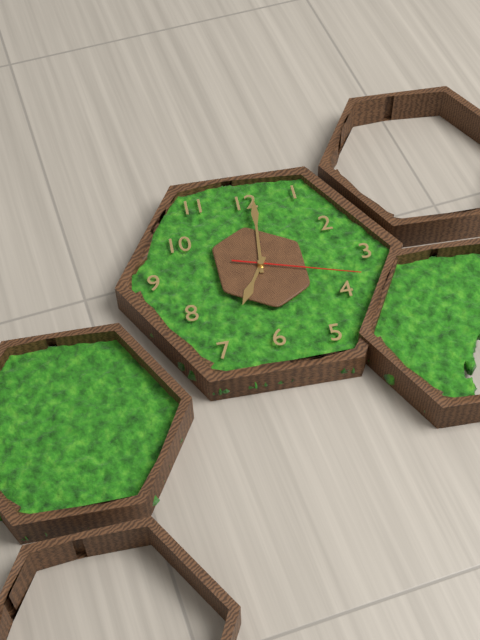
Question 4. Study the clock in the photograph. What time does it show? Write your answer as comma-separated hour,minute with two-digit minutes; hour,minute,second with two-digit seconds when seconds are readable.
7,01,18
